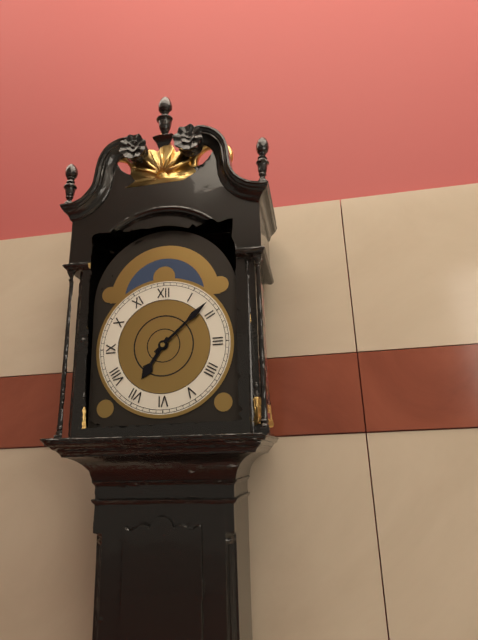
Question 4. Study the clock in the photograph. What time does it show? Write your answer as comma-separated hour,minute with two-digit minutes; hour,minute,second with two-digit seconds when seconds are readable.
7,08
